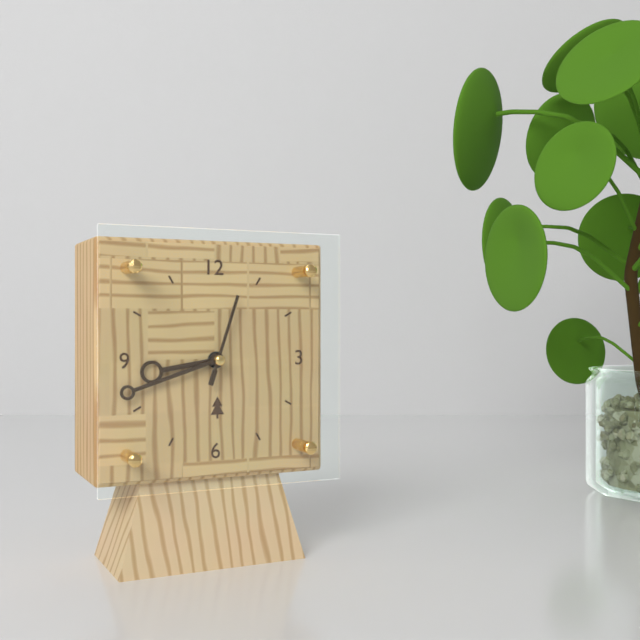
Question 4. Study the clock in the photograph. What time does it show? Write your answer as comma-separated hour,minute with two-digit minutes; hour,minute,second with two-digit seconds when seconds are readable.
8,42,03
